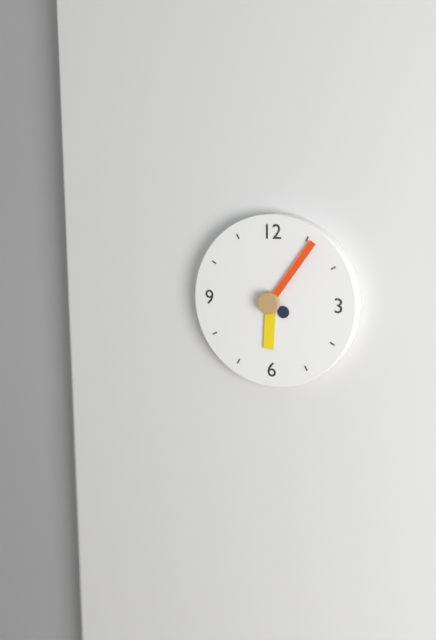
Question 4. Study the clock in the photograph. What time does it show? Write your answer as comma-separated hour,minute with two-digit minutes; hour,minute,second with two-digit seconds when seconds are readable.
6,06
